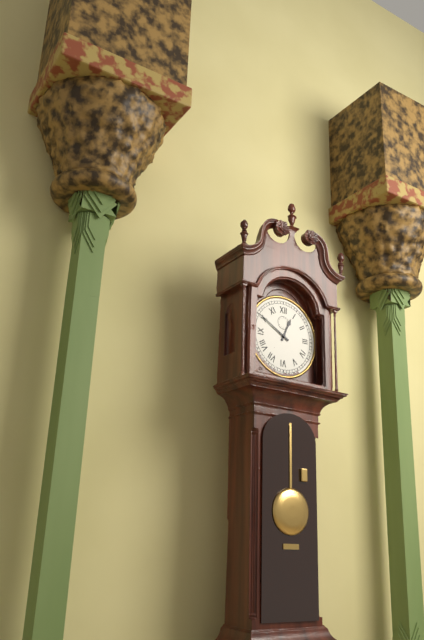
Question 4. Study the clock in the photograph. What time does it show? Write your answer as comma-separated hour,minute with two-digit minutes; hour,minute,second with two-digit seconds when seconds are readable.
12,50
